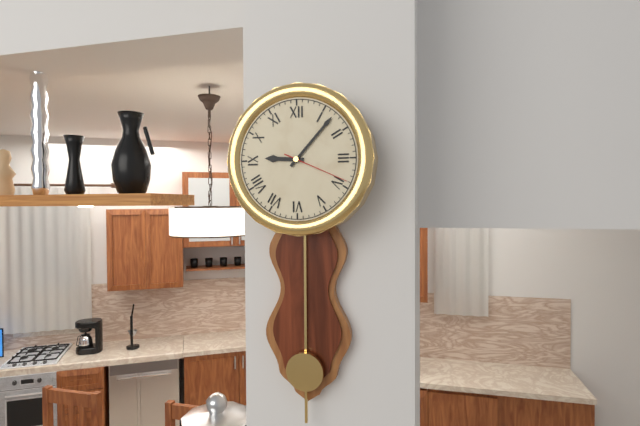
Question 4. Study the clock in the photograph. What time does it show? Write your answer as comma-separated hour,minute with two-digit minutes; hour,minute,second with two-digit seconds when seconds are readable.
9,07,19
